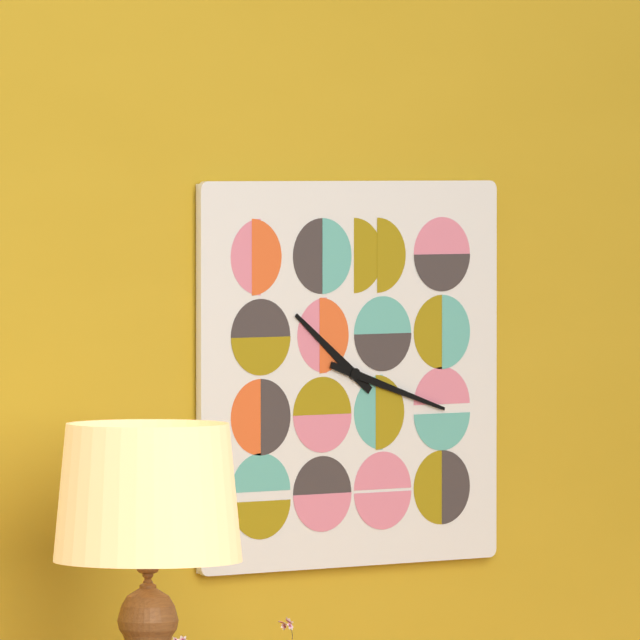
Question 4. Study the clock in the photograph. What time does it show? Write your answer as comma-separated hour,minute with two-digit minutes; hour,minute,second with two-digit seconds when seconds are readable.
10,18
